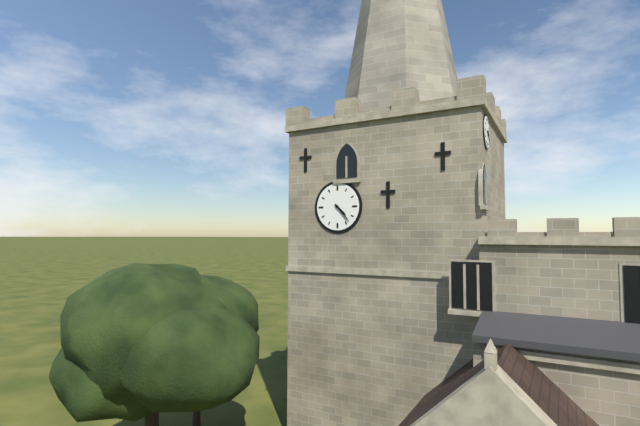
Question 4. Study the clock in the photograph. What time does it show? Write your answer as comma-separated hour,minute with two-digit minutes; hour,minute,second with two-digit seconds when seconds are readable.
4,23
